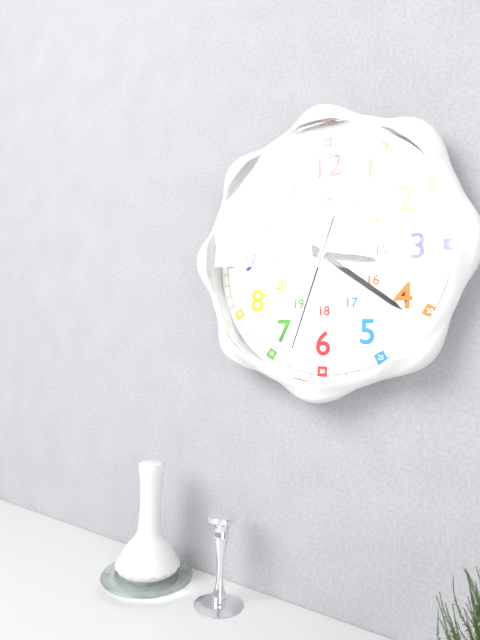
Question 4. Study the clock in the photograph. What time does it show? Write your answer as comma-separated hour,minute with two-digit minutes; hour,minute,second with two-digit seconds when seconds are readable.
3,21,33
